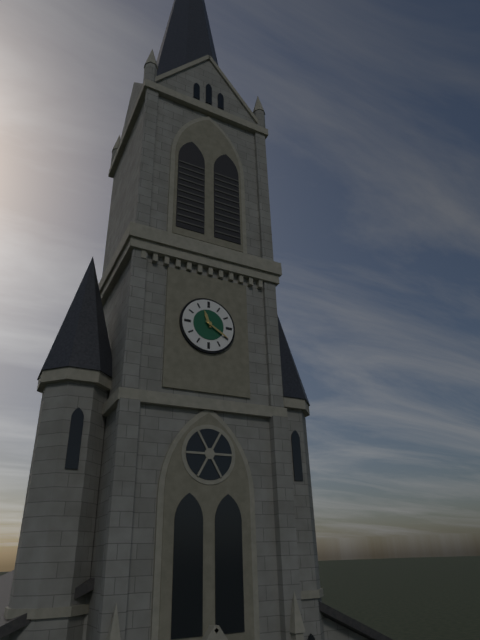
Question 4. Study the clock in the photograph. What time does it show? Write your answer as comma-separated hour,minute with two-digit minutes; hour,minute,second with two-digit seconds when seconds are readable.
11,20
